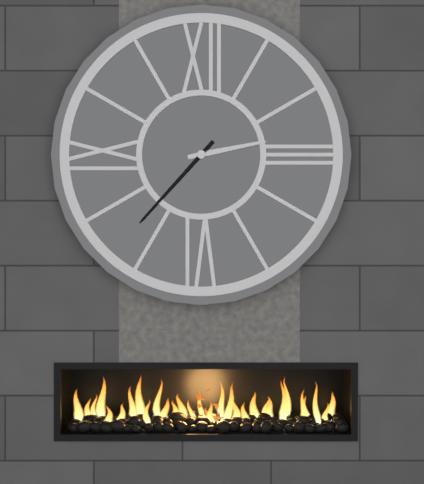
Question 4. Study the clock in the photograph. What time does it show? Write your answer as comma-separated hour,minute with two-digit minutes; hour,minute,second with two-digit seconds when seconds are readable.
2,37
